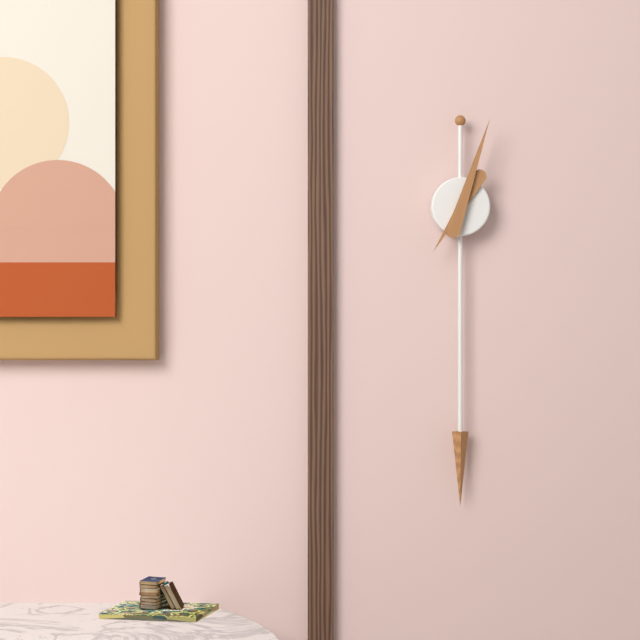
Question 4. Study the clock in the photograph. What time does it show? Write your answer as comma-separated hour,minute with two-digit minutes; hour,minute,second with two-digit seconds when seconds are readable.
7,03
